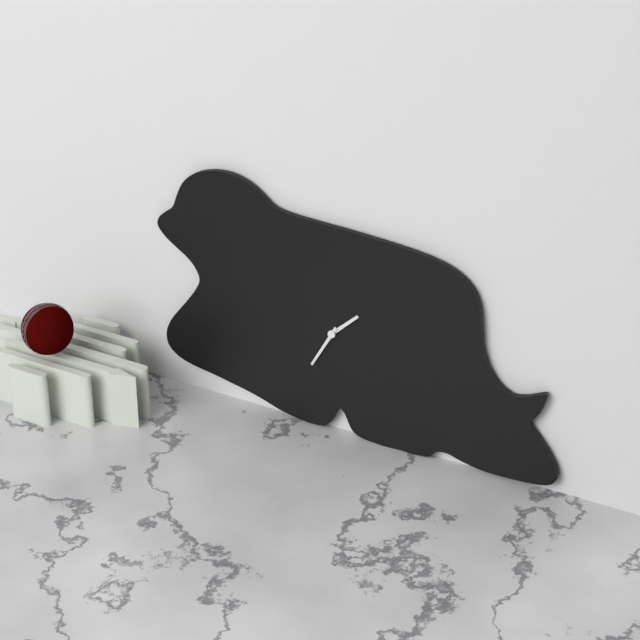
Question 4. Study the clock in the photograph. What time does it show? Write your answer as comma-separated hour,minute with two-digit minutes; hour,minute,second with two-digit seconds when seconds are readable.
1,35
